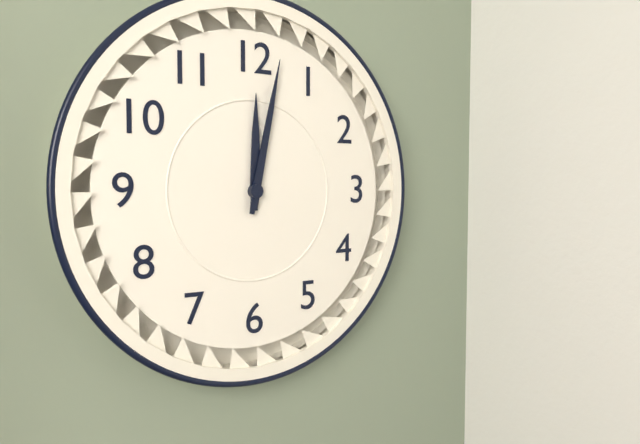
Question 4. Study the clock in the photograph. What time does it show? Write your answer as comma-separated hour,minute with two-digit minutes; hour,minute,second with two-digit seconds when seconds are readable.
12,02
